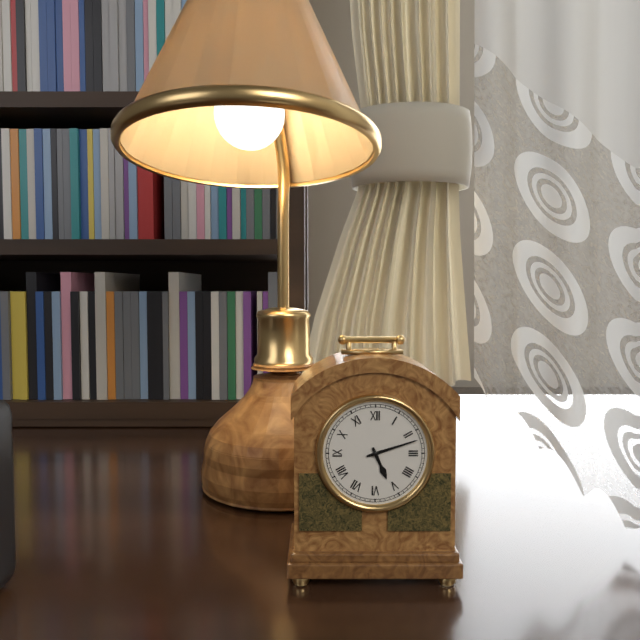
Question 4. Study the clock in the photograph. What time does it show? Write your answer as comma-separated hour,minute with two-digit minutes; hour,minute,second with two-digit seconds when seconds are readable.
5,12
